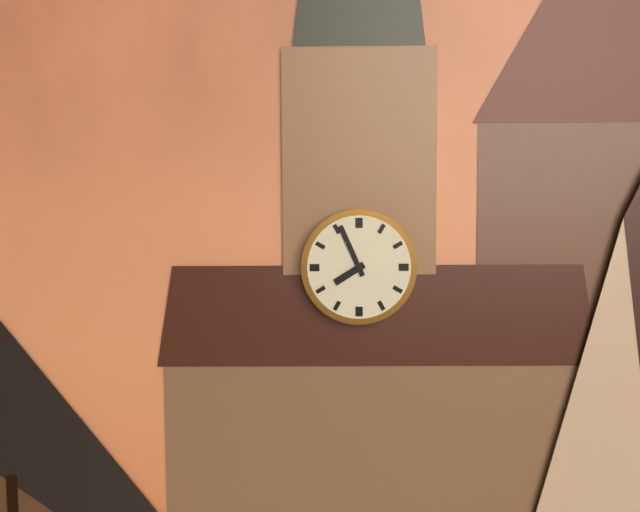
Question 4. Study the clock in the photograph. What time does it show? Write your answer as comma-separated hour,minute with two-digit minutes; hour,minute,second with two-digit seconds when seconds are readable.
7,56
